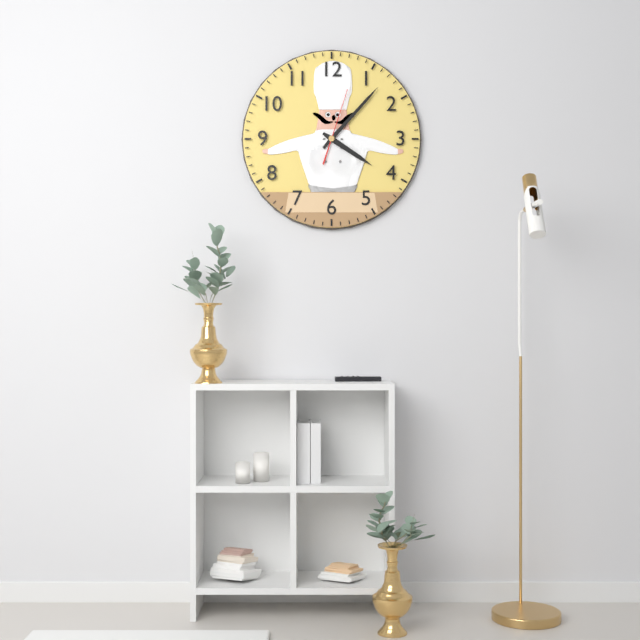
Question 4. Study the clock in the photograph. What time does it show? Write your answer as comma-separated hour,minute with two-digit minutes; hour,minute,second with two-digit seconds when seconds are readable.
4,07,03
